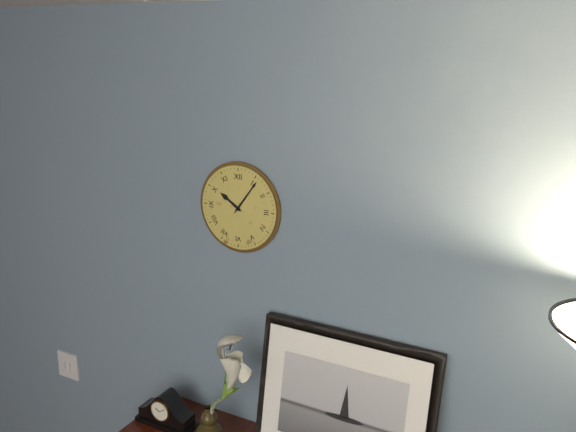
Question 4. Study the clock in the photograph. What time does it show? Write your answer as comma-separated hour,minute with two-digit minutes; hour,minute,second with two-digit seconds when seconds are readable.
10,06
